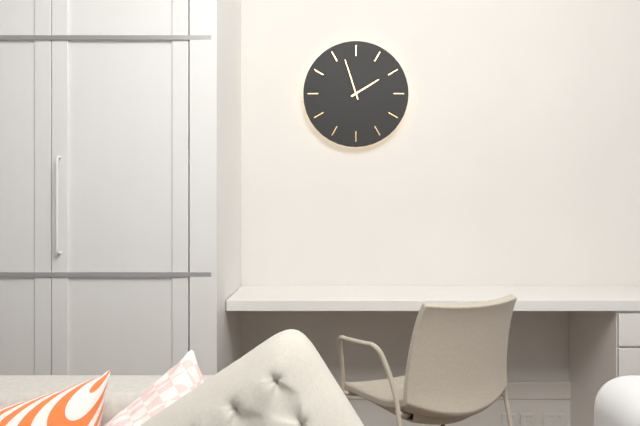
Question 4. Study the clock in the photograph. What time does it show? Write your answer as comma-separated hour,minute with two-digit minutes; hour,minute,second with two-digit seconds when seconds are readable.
1,57
